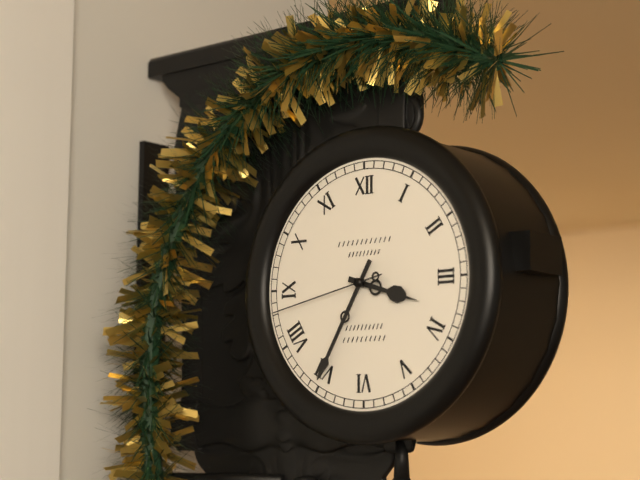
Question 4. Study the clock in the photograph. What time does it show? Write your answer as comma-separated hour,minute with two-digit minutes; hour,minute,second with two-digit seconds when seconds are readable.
3,35,43
